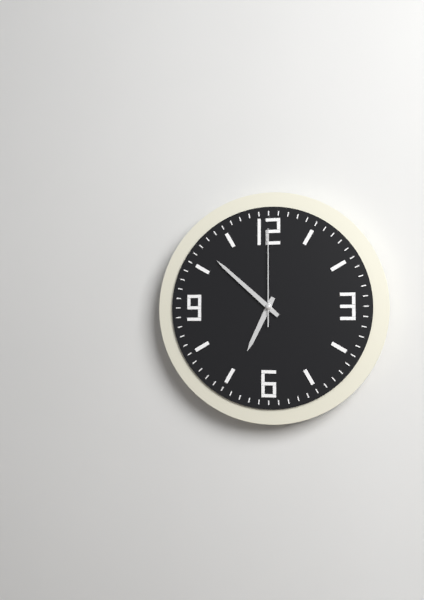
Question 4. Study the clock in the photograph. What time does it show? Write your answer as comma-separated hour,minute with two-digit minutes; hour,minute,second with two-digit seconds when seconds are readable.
6,52,00
